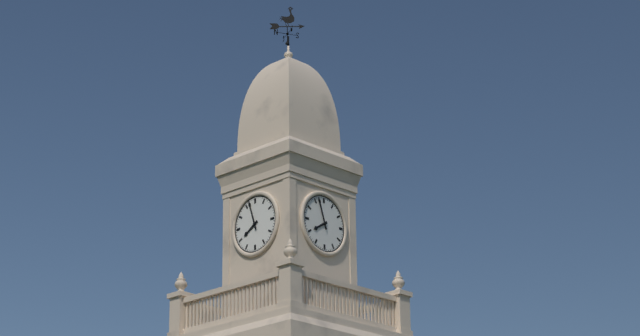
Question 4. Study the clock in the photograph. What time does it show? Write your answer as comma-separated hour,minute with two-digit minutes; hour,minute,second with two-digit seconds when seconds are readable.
7,57
